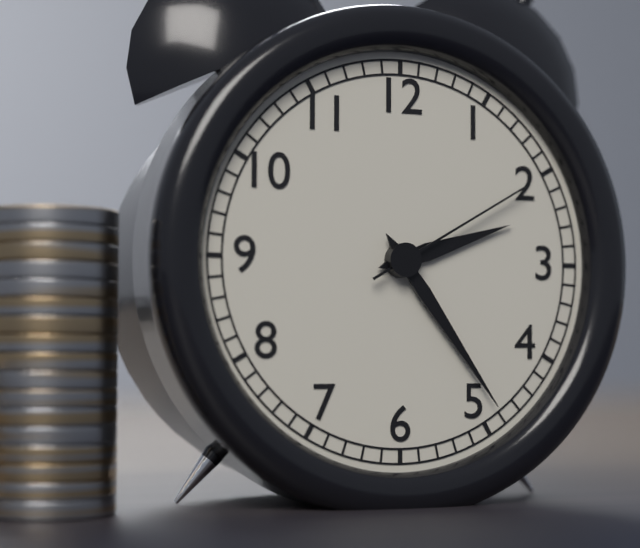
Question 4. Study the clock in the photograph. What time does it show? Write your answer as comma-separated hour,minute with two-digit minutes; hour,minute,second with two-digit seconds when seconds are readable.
2,24,10
